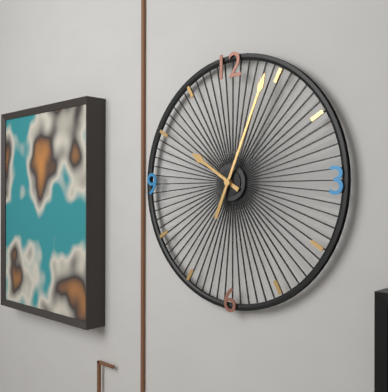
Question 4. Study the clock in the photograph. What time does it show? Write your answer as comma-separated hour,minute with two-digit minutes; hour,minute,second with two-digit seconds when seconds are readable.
10,04
